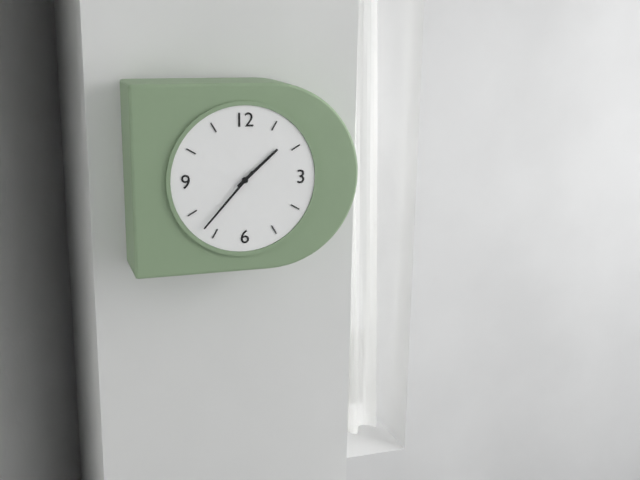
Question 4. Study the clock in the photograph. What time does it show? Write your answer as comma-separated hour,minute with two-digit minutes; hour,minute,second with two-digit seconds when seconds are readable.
1,37
